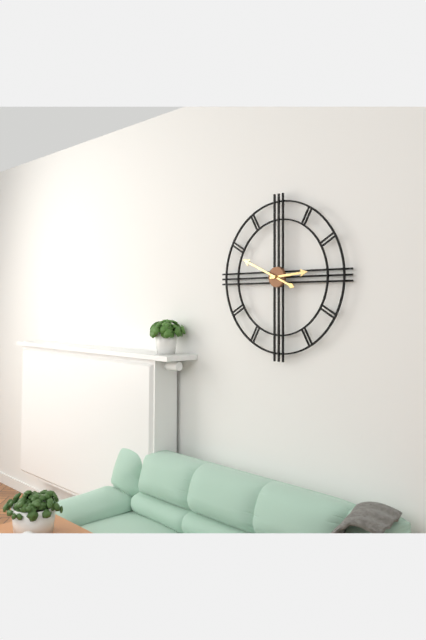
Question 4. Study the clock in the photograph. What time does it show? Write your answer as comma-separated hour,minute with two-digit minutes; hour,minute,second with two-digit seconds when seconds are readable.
2,49
